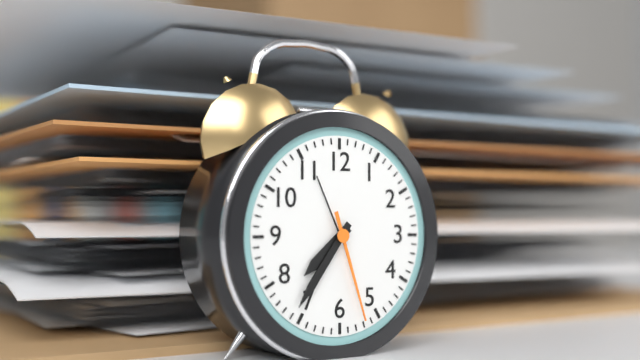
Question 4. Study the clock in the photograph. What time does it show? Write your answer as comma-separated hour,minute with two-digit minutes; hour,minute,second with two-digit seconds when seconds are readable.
7,36,27
